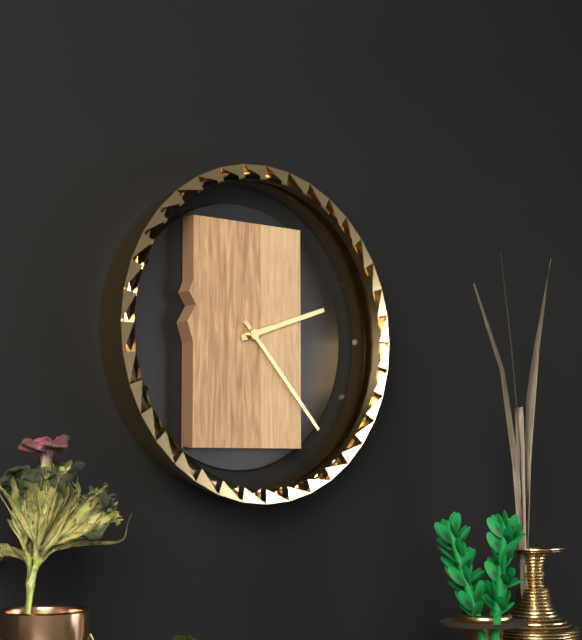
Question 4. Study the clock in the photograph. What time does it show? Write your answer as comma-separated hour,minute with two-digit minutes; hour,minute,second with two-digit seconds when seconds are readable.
2,23
